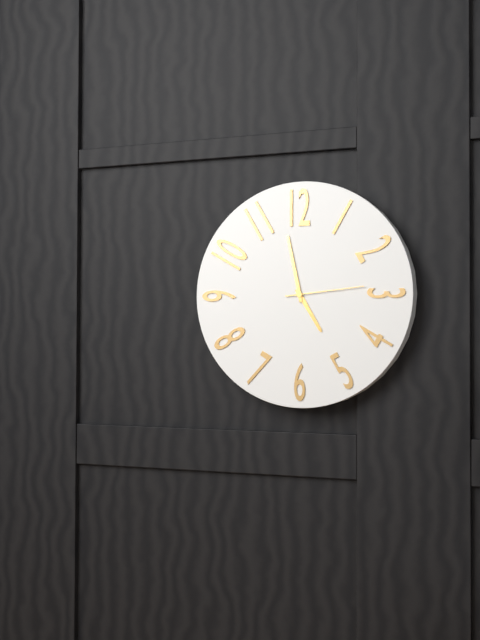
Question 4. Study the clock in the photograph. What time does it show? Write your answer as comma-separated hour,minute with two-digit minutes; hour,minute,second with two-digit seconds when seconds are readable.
4,58,14
